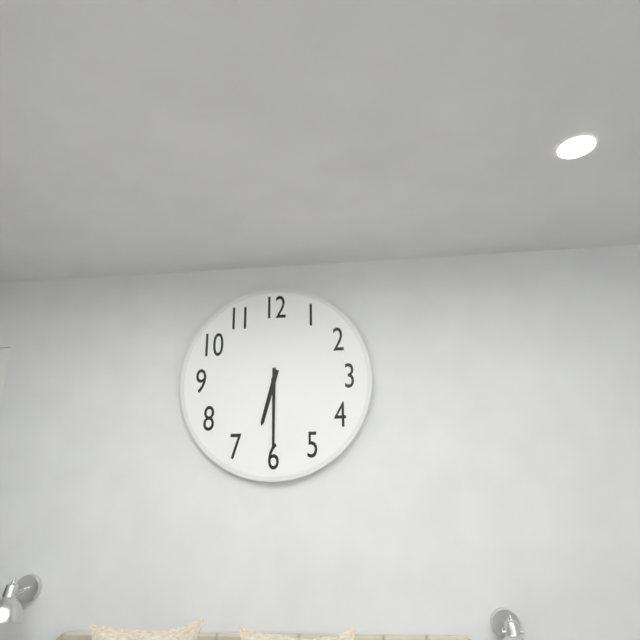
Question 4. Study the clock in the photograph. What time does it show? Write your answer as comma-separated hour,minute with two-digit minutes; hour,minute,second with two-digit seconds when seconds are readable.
6,30
